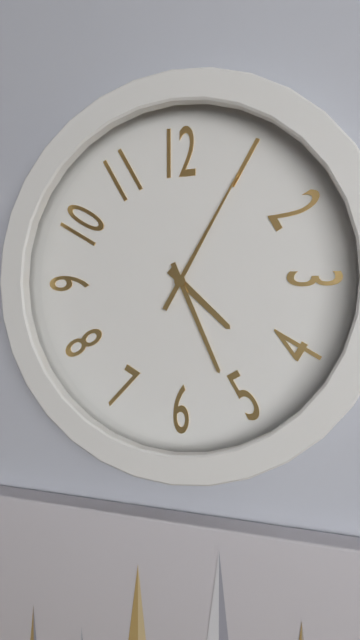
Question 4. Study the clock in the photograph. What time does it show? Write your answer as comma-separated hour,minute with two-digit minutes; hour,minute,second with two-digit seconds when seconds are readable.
4,26,05
